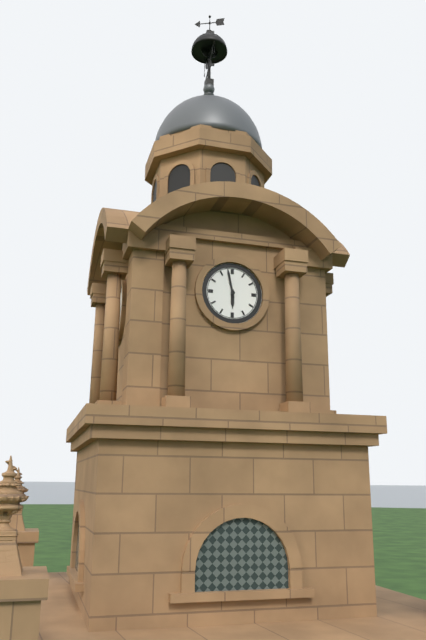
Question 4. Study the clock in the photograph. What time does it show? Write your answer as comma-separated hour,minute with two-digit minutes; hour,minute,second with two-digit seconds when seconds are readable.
5,58
